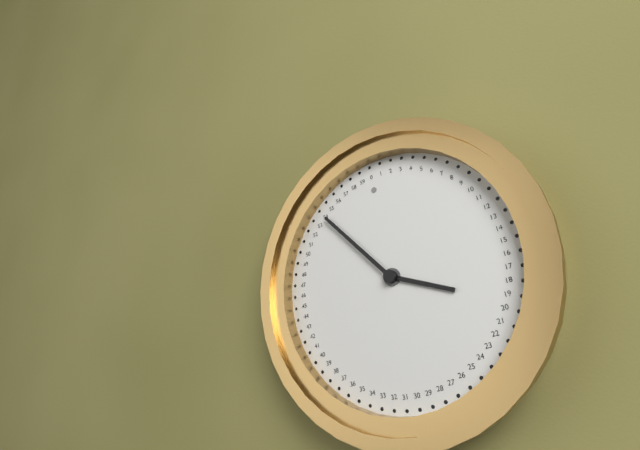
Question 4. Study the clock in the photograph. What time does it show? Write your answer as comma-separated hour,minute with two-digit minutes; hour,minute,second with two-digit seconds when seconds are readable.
3,54
